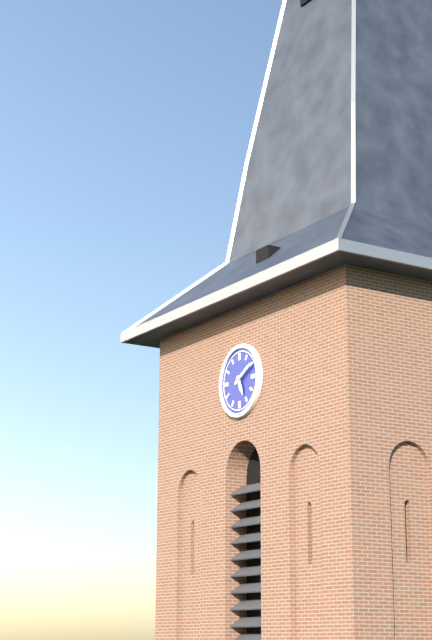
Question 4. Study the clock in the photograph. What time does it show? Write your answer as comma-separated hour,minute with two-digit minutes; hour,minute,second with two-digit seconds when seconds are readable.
5,10
